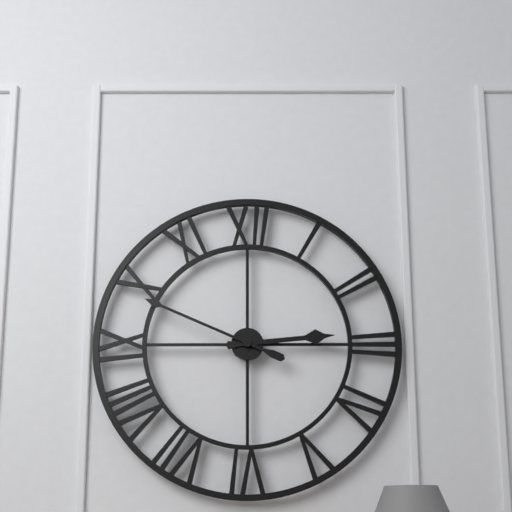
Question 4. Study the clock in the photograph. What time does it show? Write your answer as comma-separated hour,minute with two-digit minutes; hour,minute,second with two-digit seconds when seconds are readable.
2,49
